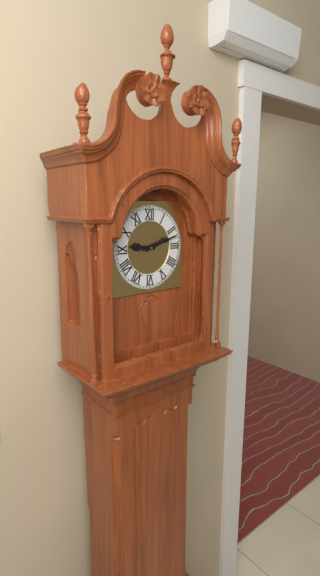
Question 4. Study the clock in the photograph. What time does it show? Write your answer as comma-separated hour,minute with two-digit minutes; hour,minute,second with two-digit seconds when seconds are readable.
9,12
